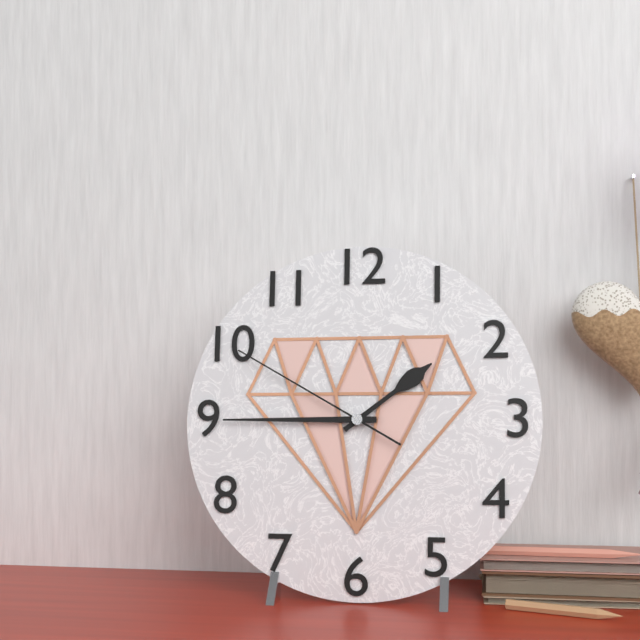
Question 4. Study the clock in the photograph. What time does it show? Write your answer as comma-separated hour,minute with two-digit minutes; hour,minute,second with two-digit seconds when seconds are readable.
1,45,50
